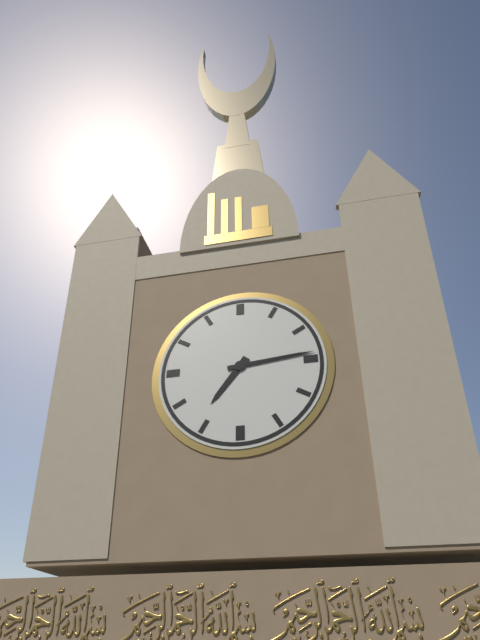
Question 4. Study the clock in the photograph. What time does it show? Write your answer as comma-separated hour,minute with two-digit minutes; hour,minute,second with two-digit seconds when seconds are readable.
7,14
